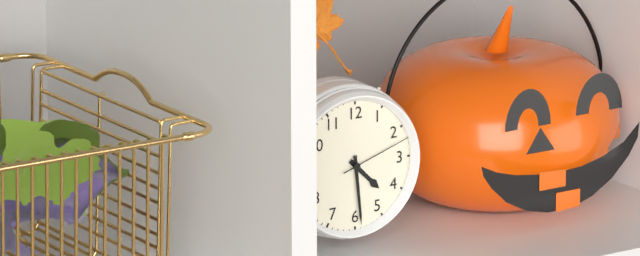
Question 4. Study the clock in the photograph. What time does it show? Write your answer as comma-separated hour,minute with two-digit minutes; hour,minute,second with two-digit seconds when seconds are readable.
4,29,12
